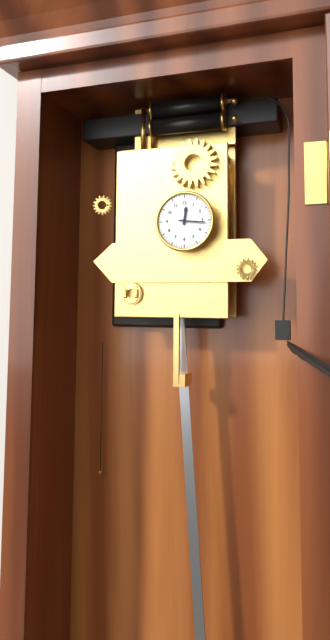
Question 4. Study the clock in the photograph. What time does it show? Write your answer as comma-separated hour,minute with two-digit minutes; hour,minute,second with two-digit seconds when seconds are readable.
12,16
